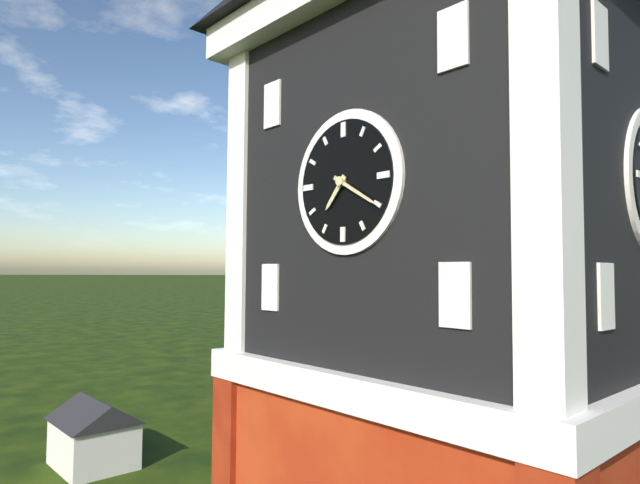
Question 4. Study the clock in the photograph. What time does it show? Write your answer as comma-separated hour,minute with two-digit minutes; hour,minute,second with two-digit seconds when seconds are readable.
7,20
